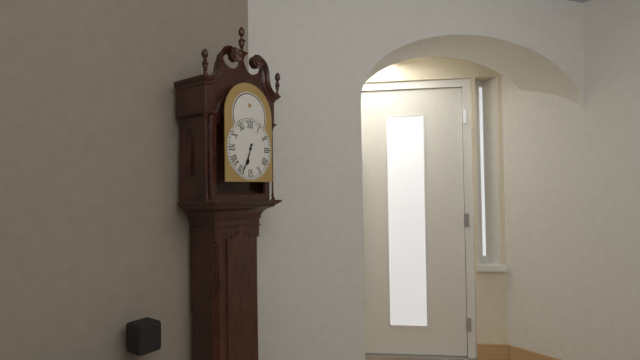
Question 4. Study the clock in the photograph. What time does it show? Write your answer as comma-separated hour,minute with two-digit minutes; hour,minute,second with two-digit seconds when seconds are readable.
6,34
